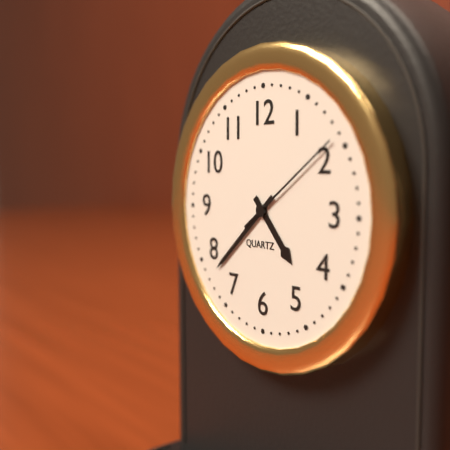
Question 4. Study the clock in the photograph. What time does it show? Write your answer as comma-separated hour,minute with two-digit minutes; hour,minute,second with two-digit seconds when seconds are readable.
4,38,09
